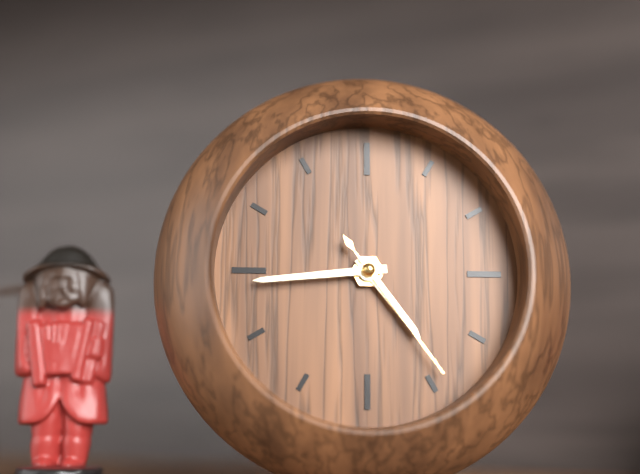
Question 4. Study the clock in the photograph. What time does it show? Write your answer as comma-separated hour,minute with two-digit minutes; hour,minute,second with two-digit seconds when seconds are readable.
4,44,24
